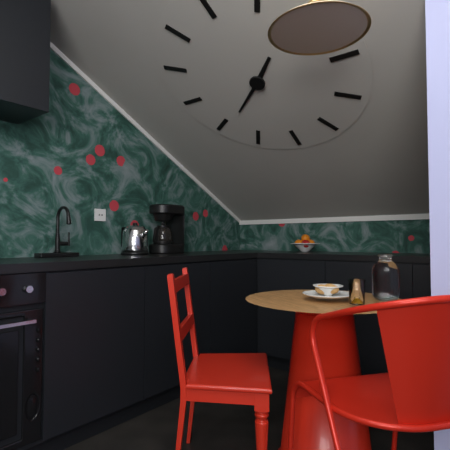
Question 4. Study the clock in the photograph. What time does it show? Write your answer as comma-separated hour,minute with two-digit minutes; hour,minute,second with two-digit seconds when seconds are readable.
1,39
